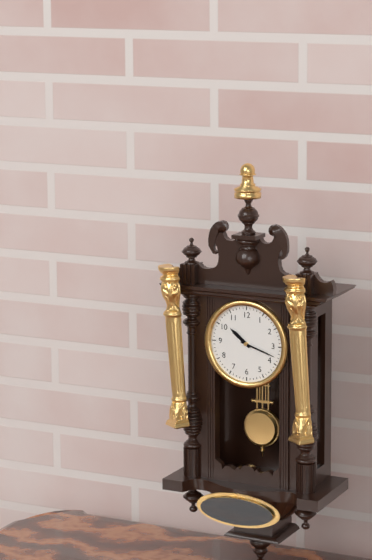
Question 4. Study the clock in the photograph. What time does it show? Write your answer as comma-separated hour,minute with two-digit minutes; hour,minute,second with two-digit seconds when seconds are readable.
10,18
